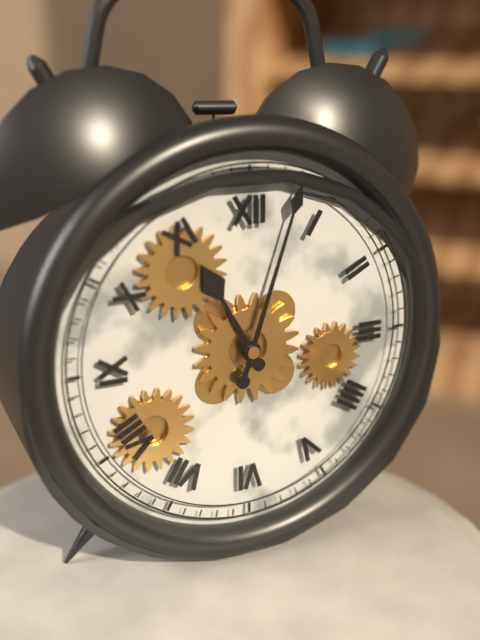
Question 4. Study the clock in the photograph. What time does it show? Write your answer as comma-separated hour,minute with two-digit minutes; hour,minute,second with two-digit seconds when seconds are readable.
11,03
